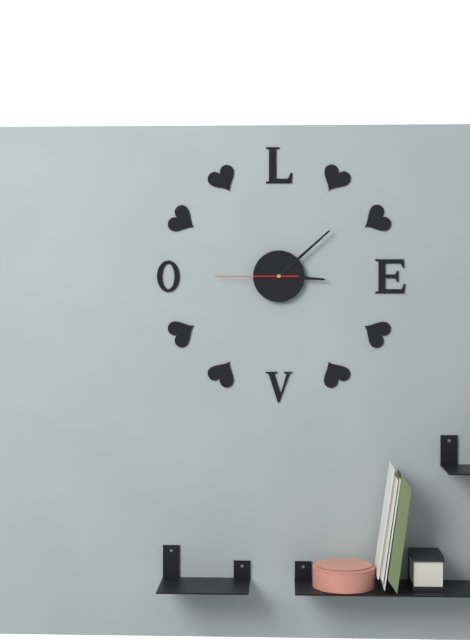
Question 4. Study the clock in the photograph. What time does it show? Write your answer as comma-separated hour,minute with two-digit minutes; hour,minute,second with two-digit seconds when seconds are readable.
3,08,45
